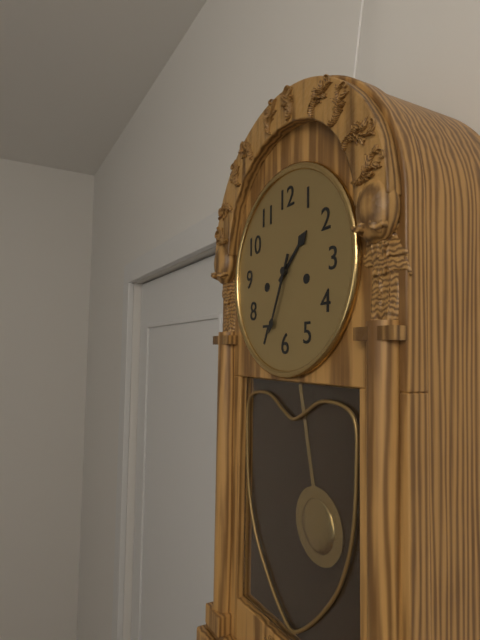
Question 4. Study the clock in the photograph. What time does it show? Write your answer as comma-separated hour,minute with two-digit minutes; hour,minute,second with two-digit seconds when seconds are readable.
1,34
